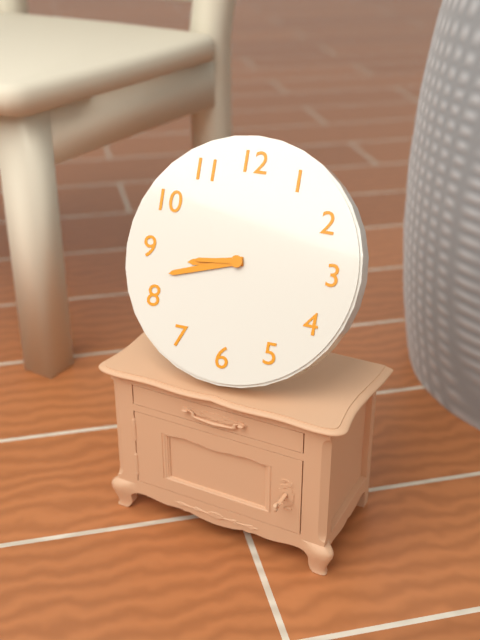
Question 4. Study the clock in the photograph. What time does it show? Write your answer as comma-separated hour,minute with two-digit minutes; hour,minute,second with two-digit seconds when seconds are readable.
8,42,44
